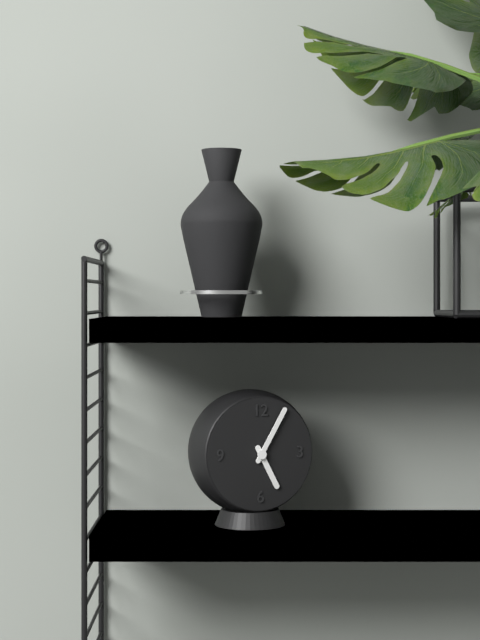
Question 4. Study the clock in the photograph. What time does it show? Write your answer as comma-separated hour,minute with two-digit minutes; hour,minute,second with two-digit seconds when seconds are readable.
5,05
